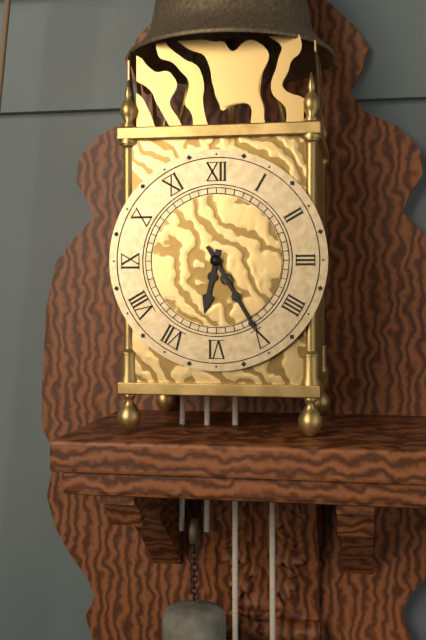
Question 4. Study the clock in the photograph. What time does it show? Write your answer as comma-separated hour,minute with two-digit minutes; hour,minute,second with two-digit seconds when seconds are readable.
6,25
